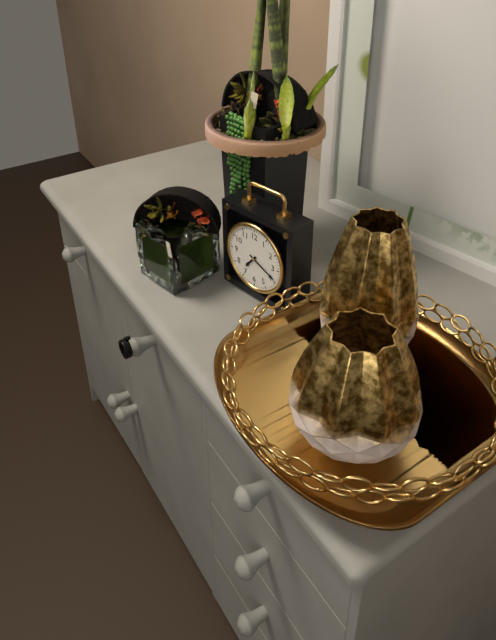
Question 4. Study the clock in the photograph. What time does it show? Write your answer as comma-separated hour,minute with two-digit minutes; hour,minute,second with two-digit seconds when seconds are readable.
7,19
